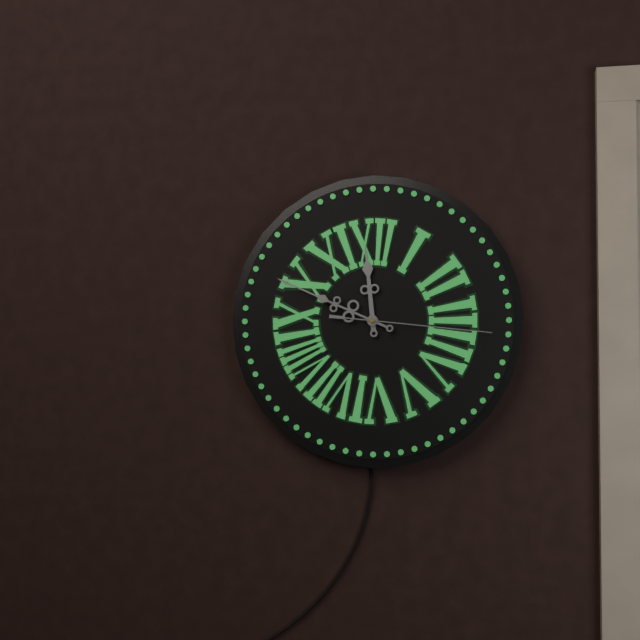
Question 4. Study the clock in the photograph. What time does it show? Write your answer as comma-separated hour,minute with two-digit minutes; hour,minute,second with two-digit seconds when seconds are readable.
11,49,16
